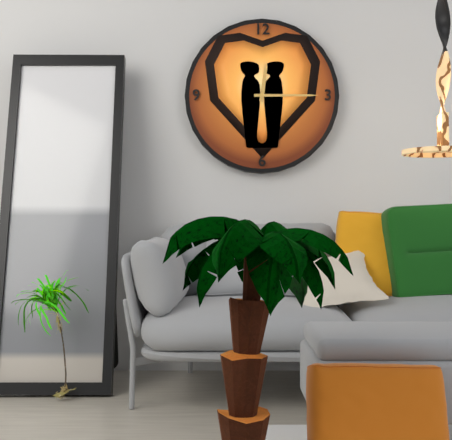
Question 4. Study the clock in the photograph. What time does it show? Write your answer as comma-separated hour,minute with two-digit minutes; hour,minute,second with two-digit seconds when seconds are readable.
12,15
